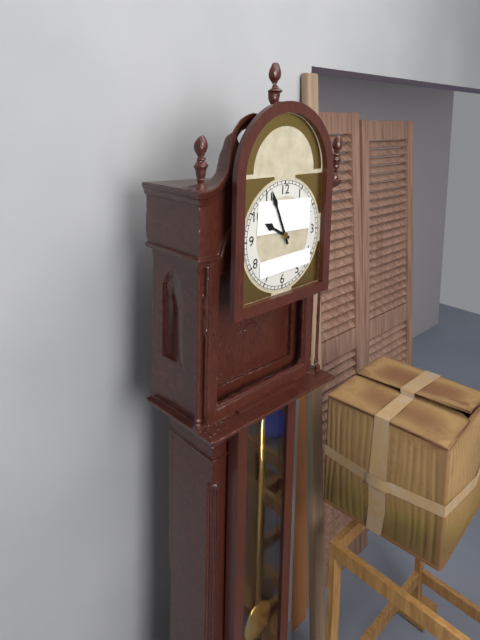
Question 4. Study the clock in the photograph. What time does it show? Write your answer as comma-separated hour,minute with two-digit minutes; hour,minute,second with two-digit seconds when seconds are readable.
9,56
